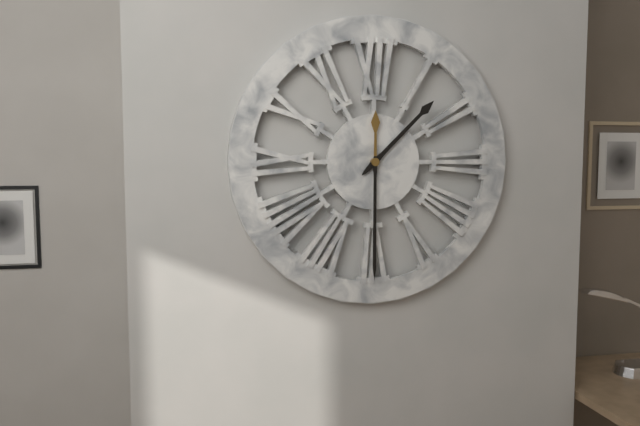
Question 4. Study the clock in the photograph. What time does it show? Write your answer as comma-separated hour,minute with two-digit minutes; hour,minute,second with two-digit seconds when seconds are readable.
1,30
